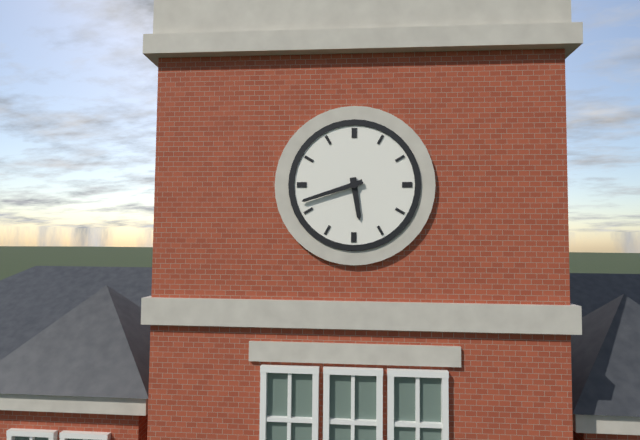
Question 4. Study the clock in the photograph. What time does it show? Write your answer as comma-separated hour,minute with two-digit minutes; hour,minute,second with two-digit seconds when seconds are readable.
5,42
